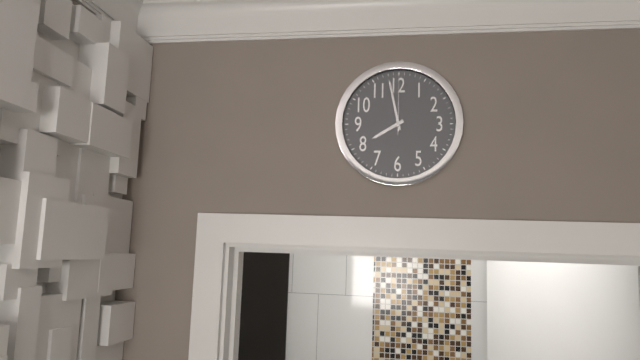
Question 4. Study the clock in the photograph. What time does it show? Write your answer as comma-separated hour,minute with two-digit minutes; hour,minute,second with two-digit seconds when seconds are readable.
7,58,00
